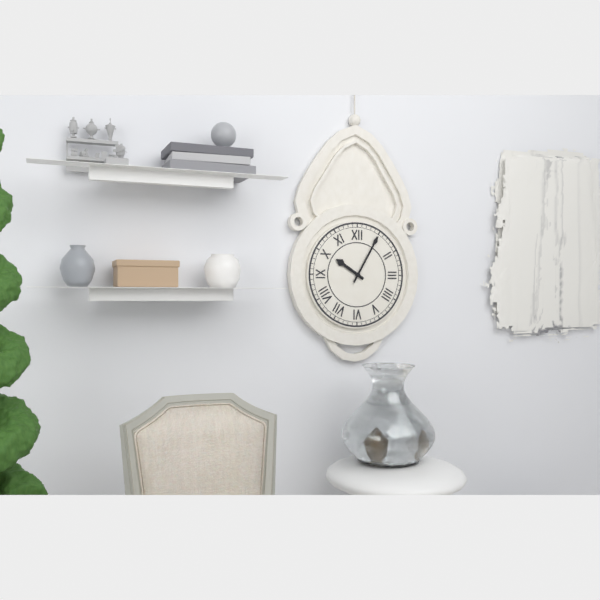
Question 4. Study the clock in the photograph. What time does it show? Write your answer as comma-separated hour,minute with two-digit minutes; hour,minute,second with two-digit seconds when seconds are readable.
10,05
